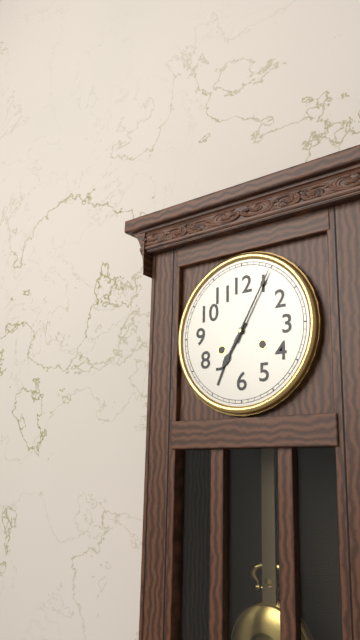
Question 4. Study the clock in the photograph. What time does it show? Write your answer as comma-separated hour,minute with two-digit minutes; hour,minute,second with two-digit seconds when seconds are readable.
7,05
